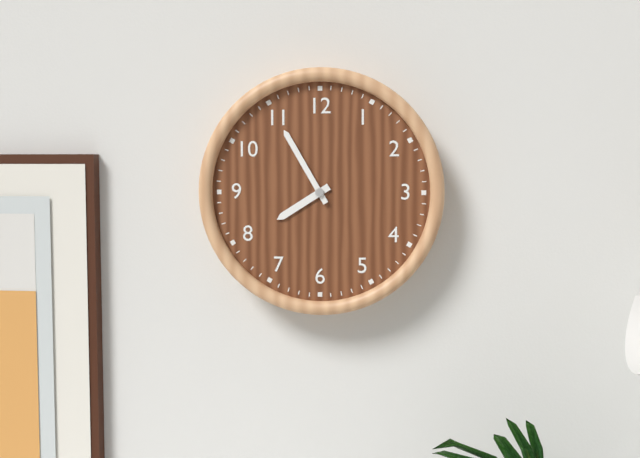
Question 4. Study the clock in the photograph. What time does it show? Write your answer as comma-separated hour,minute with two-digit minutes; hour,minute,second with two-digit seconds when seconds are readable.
7,55
